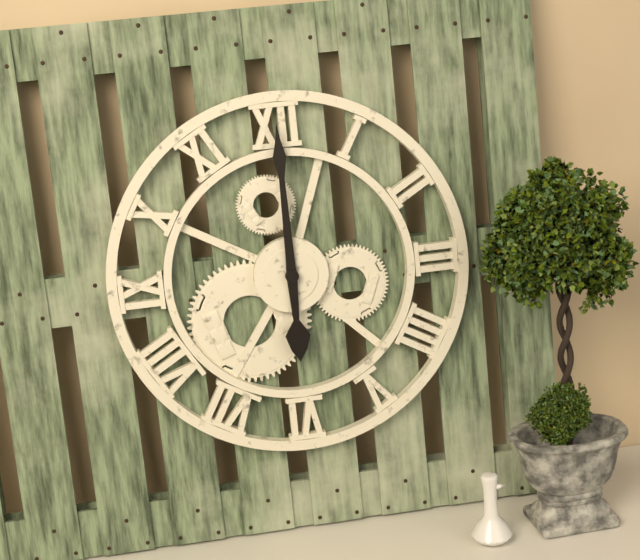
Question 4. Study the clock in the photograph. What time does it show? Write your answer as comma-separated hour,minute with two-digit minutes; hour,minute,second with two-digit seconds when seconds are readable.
6,00
